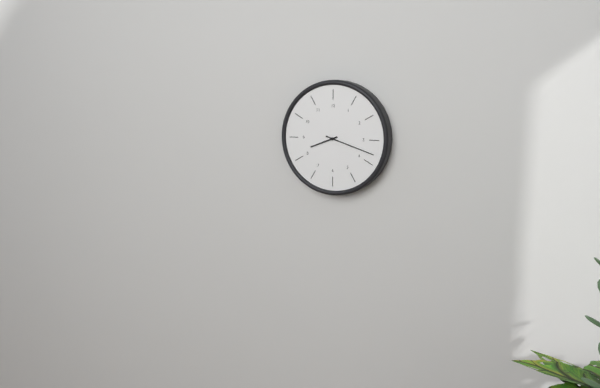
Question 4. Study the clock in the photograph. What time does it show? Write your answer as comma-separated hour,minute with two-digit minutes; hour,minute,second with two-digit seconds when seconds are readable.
8,18
